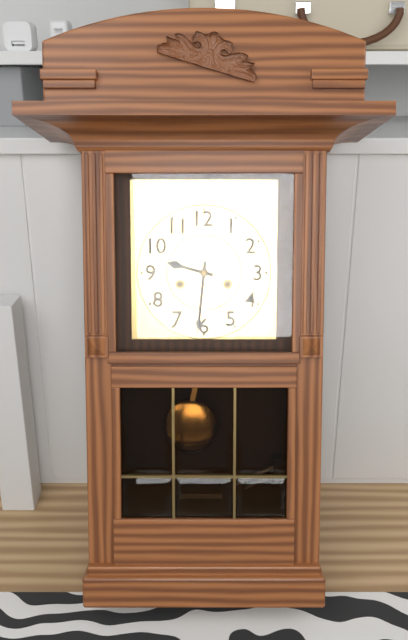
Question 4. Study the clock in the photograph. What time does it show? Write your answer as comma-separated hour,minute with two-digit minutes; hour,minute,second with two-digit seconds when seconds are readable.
9,31
